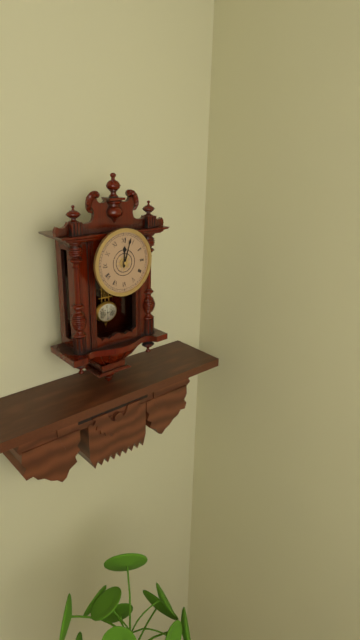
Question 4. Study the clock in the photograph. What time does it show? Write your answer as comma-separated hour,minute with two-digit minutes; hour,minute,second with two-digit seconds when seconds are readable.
12,03
